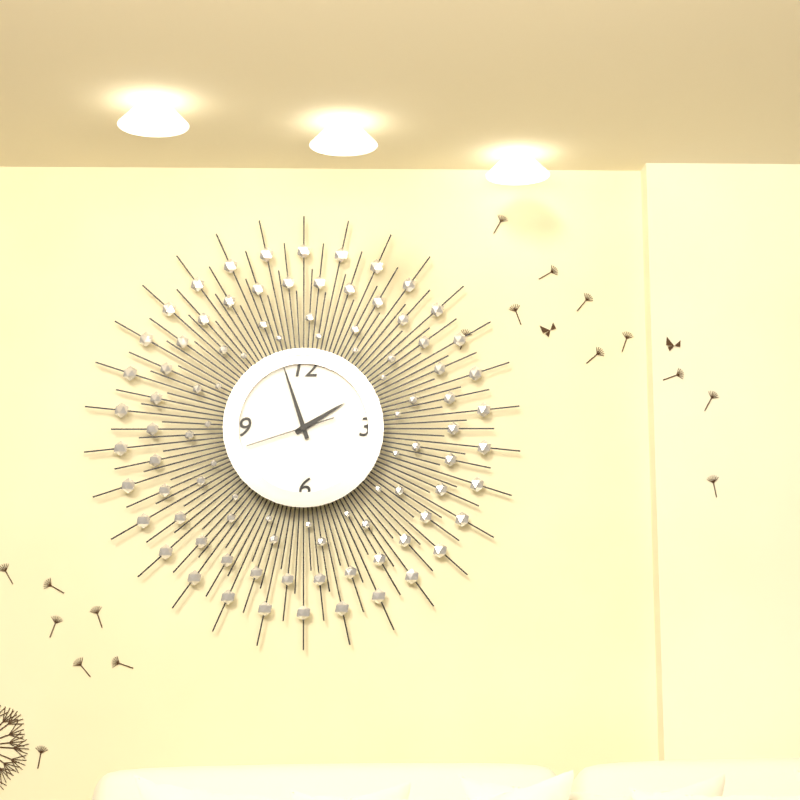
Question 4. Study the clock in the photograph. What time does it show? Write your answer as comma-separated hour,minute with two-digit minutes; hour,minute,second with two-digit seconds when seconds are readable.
1,57,42
